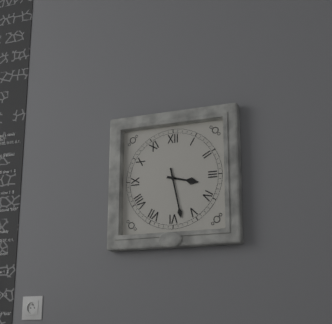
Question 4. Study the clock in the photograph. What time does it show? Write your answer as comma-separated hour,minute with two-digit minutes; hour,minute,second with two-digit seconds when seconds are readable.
3,28
